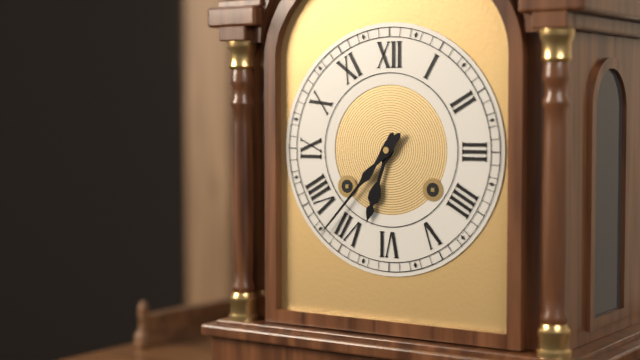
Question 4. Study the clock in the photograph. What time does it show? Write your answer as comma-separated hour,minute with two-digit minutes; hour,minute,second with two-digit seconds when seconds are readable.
6,37
